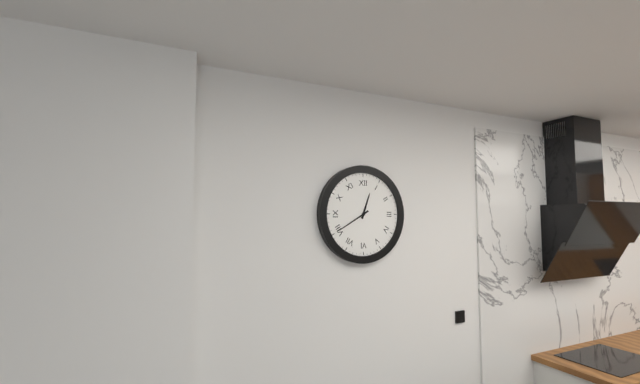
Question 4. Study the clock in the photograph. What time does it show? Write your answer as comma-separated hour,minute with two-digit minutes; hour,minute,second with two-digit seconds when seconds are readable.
12,40
